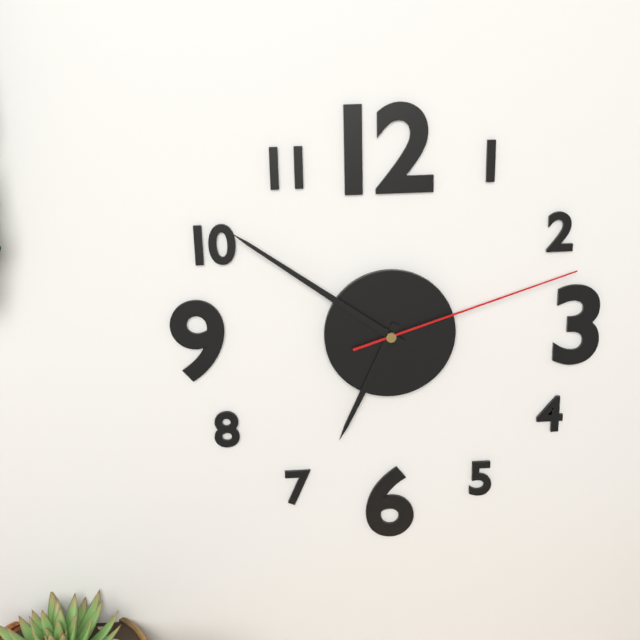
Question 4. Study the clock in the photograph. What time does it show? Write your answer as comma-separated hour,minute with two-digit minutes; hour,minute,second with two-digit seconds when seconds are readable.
6,51,12
